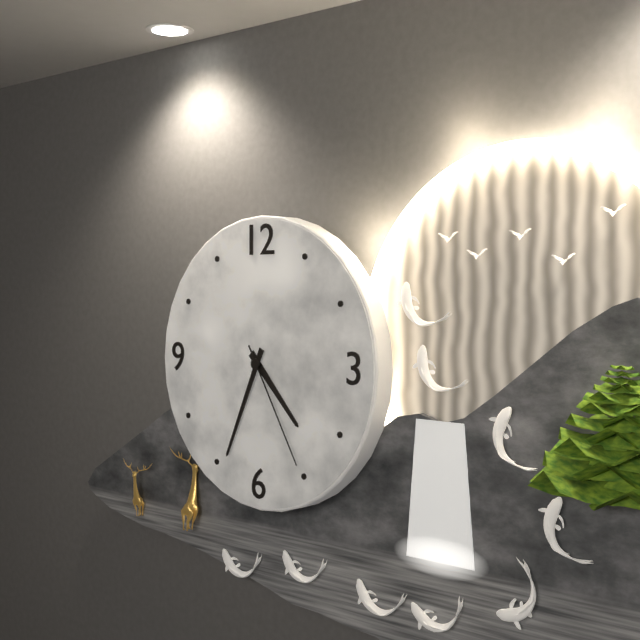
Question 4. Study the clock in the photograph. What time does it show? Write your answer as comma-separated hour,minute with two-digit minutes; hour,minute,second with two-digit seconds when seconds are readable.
4,34,25
